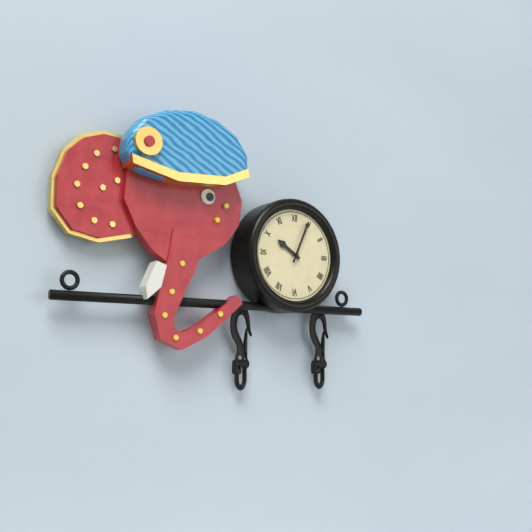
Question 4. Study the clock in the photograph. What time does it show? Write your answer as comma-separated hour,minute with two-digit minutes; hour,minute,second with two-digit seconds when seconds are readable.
10,04
